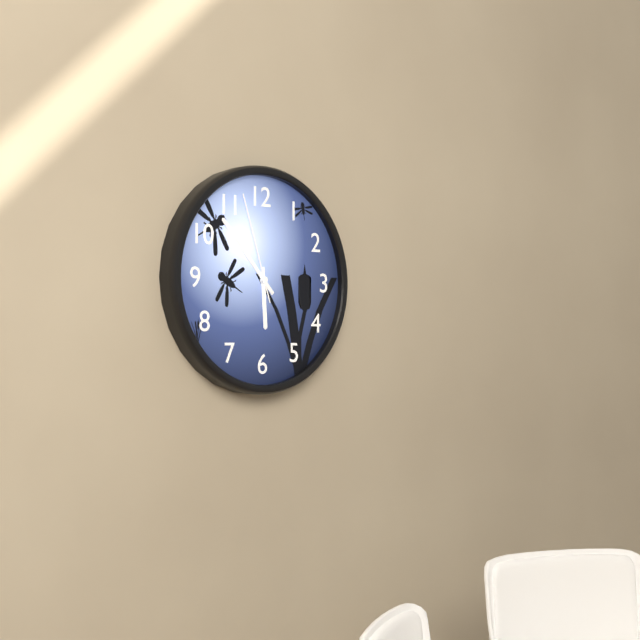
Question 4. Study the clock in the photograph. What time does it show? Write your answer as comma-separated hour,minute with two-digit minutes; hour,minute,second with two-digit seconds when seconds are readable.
5,53,57
